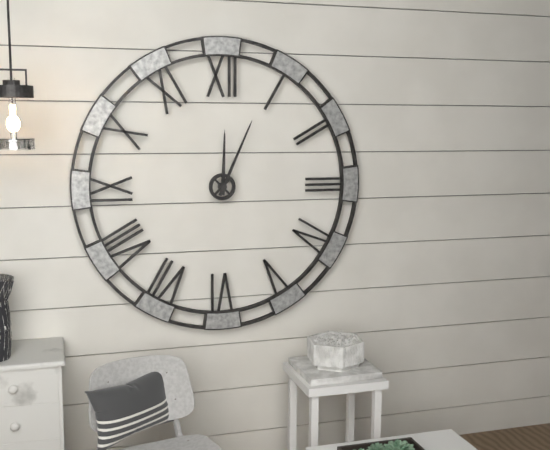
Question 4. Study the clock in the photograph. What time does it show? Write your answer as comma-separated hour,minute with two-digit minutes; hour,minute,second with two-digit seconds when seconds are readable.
12,04
